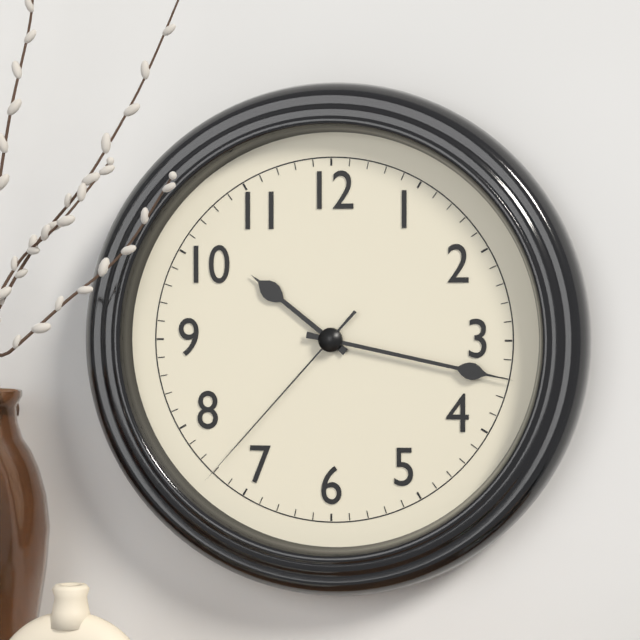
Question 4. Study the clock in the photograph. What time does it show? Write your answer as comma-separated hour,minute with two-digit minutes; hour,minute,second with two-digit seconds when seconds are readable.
10,17,37
